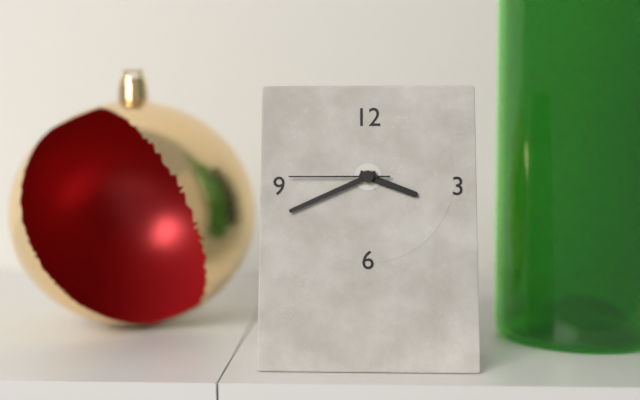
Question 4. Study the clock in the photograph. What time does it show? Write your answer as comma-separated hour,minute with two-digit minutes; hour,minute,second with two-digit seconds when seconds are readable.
3,41,45
